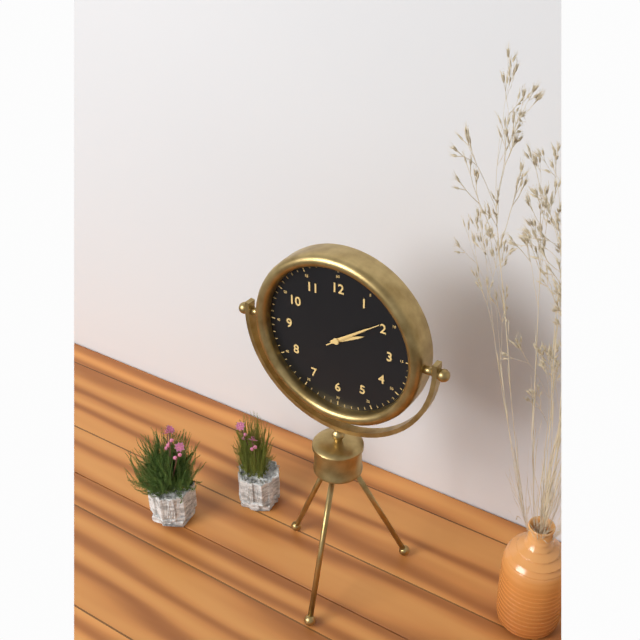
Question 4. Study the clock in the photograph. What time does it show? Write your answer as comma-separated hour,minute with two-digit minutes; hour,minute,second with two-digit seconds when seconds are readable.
2,09,09
